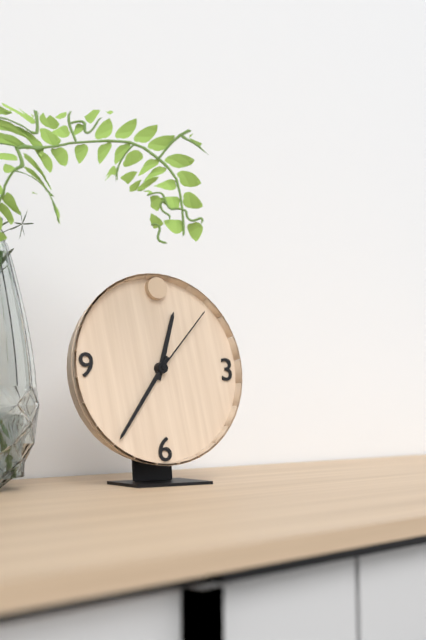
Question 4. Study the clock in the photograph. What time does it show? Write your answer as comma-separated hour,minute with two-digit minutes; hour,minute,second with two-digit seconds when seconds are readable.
12,36,07
